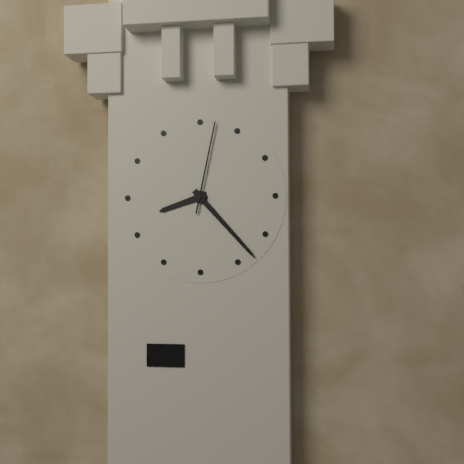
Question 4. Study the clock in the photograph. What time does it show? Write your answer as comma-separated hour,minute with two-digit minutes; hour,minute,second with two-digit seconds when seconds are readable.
8,23,02
